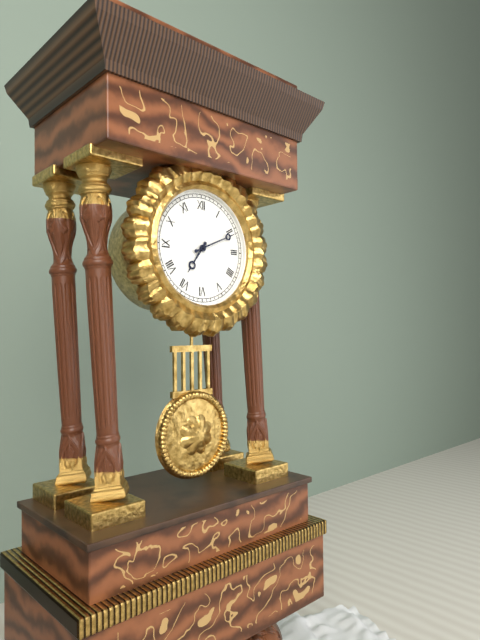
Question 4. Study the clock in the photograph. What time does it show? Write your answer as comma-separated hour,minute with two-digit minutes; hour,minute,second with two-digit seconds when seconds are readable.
7,11
